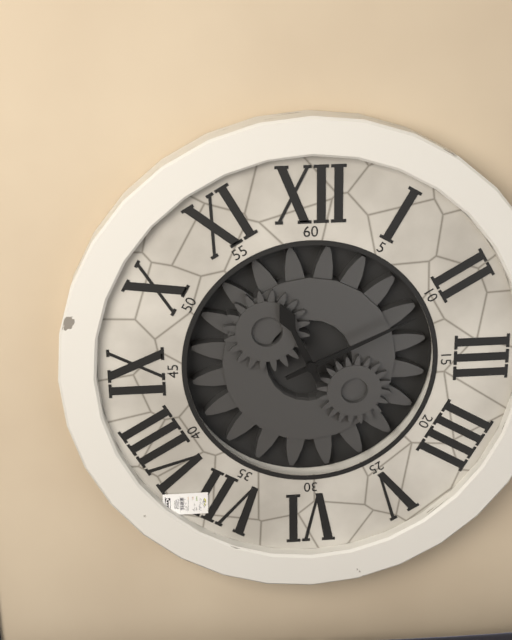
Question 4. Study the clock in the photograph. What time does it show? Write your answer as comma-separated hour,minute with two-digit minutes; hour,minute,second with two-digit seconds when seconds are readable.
11,11
